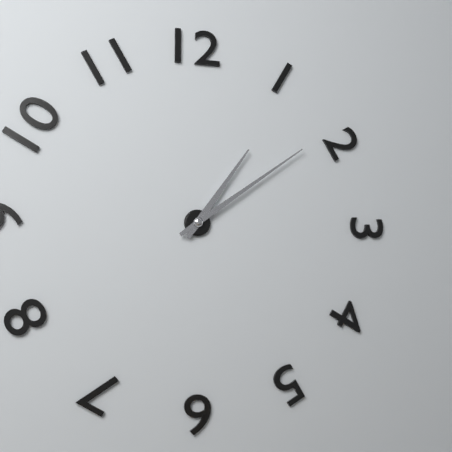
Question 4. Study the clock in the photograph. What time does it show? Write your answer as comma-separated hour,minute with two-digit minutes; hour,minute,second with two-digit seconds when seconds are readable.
1,09
